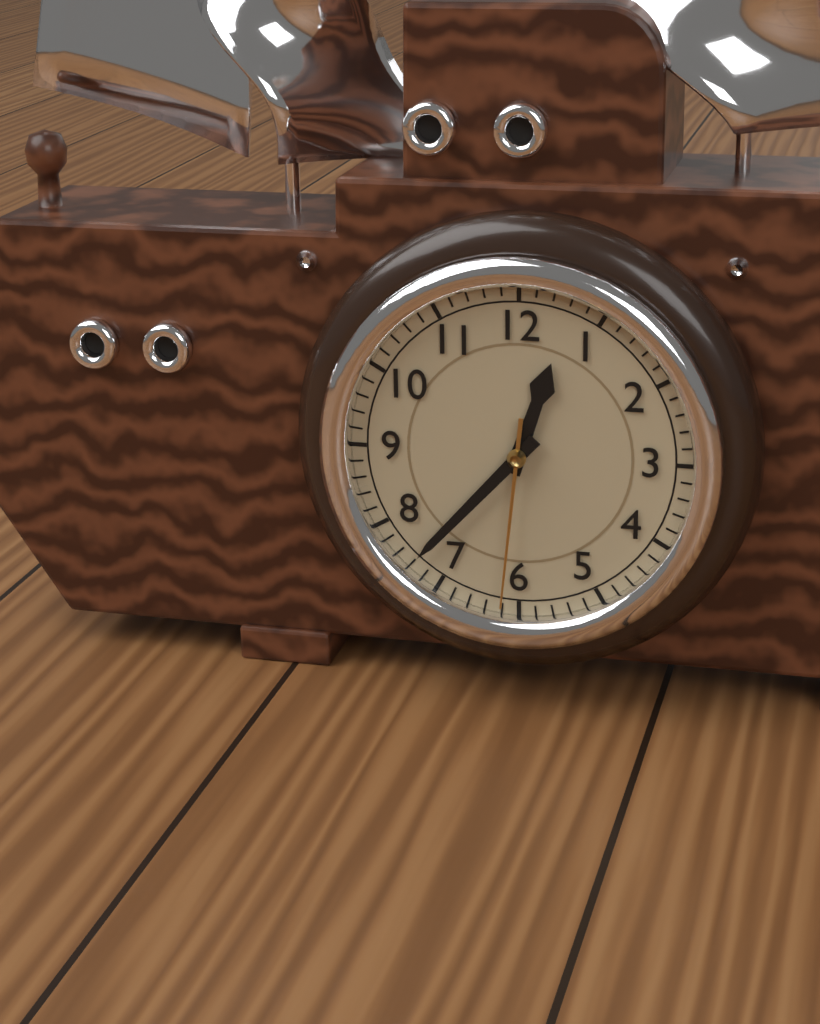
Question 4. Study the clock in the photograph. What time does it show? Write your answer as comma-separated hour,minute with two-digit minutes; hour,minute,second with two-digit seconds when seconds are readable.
12,37,31
